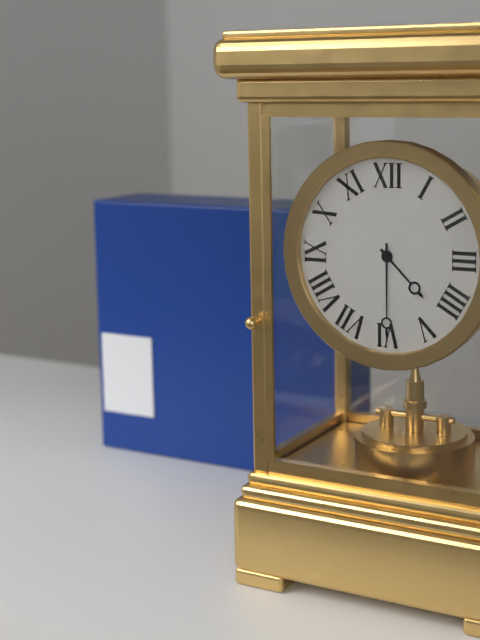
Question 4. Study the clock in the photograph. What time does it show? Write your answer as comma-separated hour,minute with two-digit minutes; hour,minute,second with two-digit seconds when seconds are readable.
4,30
